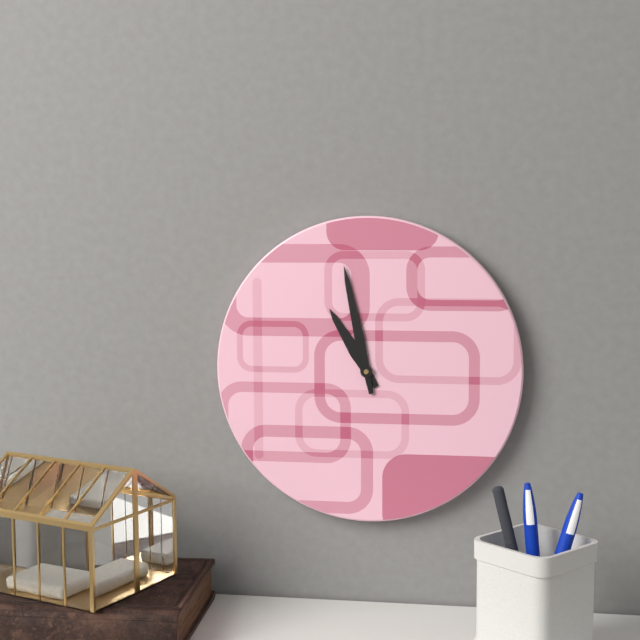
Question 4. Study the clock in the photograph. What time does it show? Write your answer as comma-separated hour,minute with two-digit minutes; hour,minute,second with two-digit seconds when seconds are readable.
10,58
